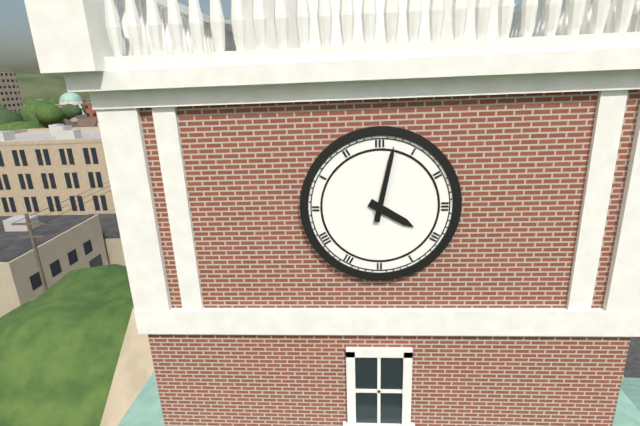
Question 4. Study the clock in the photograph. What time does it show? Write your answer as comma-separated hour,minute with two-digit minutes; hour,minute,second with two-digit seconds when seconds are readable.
4,02
